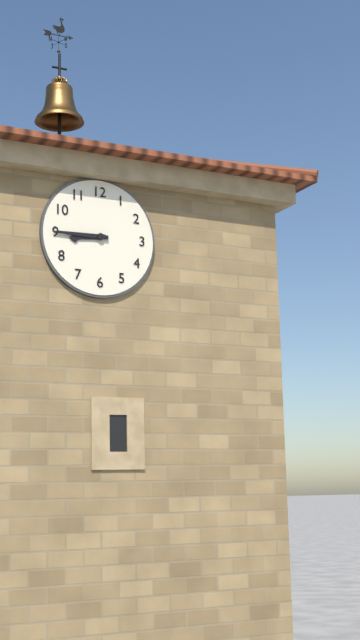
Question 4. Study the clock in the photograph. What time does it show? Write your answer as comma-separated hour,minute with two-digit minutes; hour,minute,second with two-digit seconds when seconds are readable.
8,45
